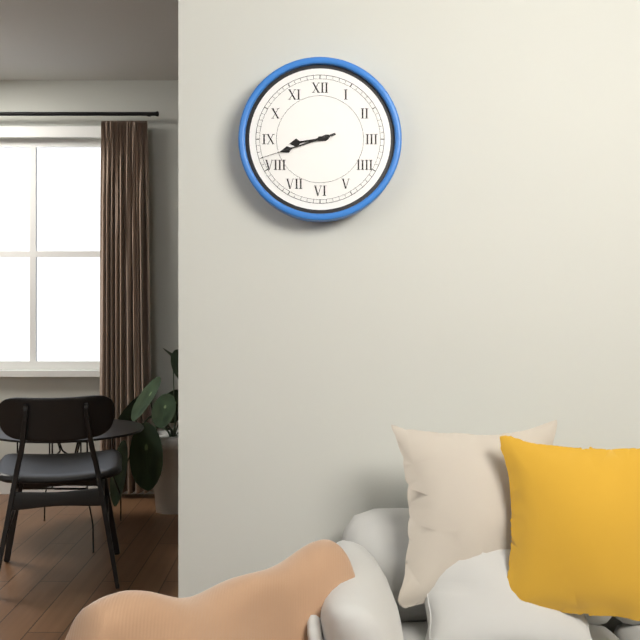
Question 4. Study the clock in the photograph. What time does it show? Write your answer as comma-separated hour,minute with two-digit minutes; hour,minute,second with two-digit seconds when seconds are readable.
8,42,42
